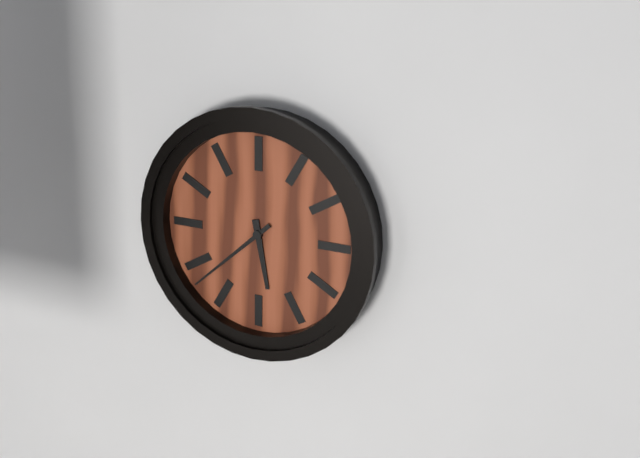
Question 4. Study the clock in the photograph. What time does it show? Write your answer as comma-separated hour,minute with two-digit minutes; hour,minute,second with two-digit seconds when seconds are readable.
5,38
